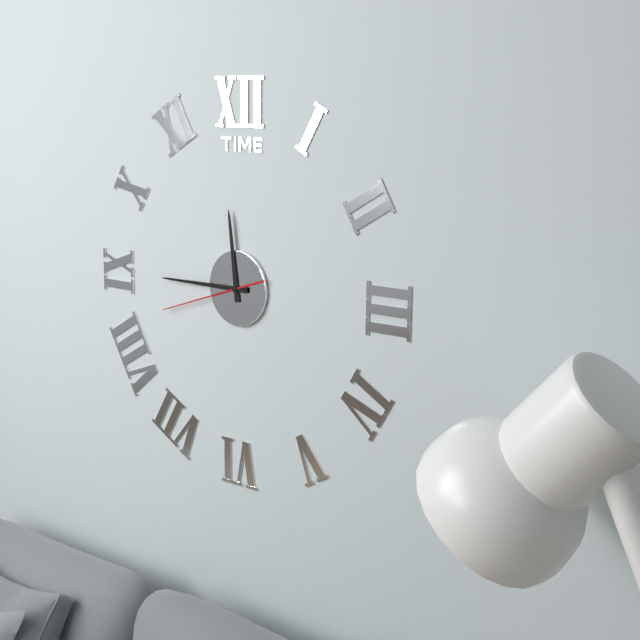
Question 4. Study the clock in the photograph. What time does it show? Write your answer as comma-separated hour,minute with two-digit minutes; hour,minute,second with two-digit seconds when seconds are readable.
11,45,42
